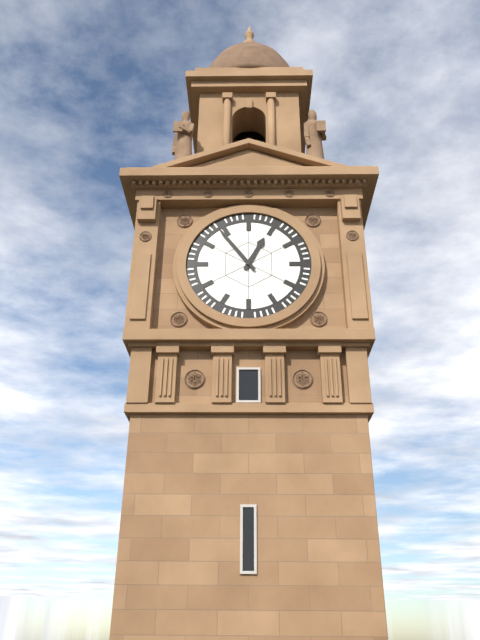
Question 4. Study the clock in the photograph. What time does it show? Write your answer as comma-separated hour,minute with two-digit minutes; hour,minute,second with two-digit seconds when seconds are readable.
12,54
